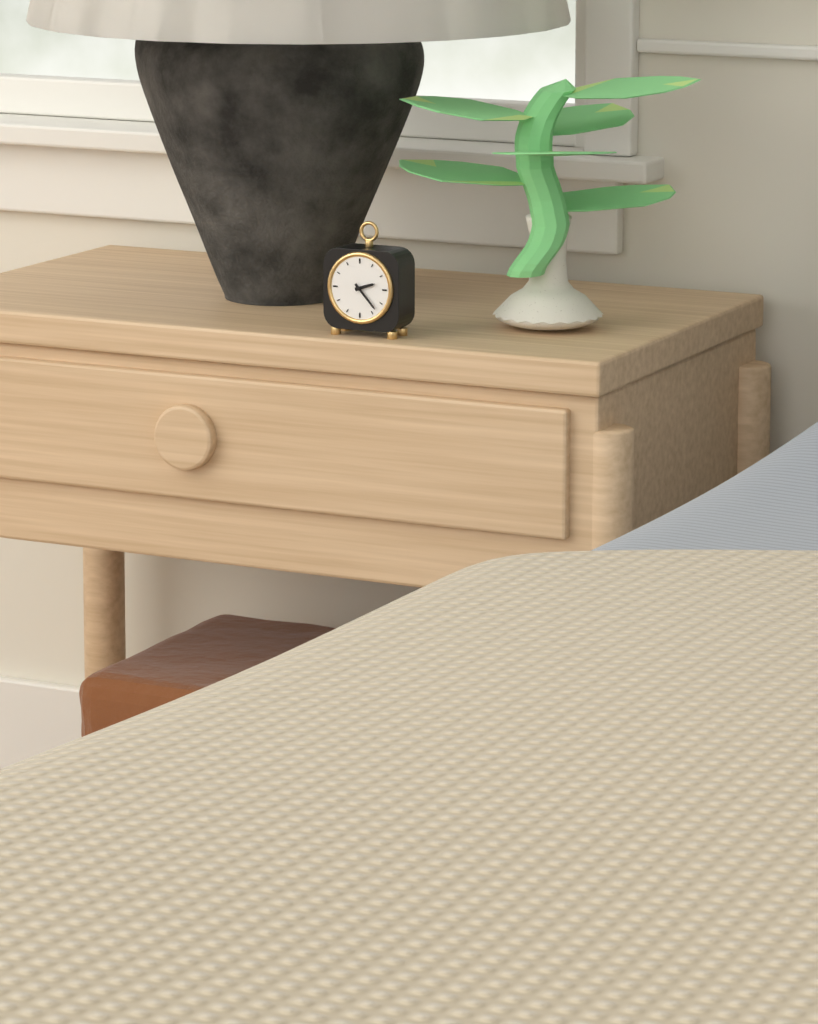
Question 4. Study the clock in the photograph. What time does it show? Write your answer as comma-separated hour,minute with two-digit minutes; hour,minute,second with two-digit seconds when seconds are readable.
2,23
